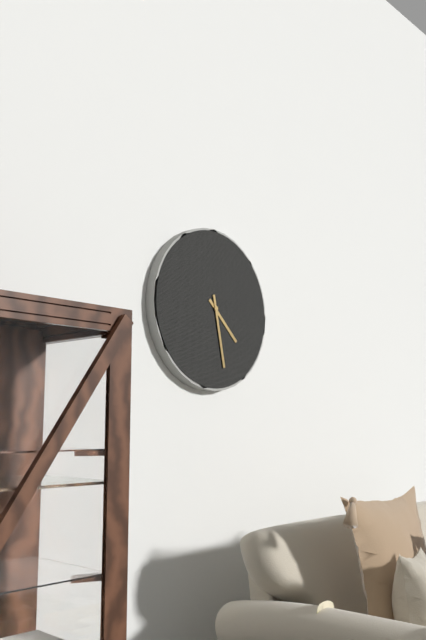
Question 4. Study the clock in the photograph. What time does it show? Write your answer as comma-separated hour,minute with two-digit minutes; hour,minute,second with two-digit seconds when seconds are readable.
4,28
